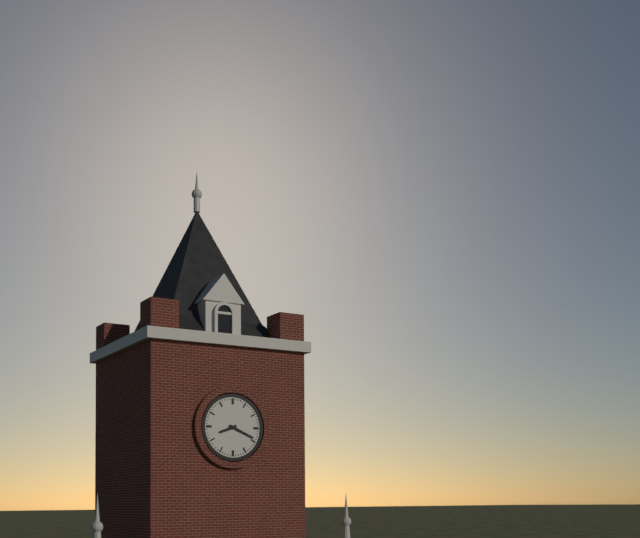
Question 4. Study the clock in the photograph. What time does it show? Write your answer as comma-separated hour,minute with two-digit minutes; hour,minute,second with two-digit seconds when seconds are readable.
8,19
